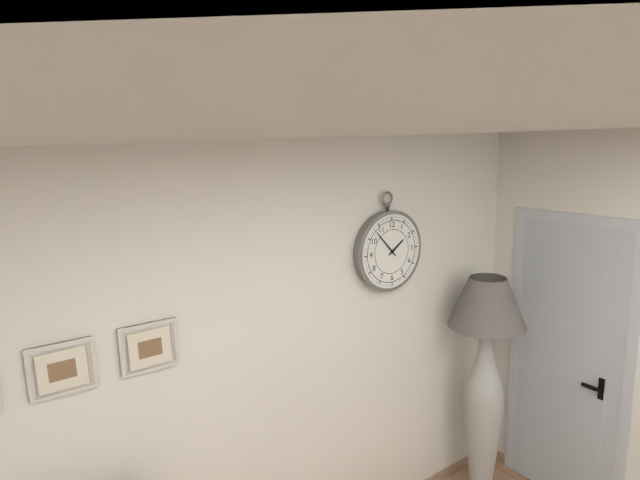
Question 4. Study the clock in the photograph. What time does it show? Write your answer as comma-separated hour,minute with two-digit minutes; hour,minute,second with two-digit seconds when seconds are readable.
1,53
